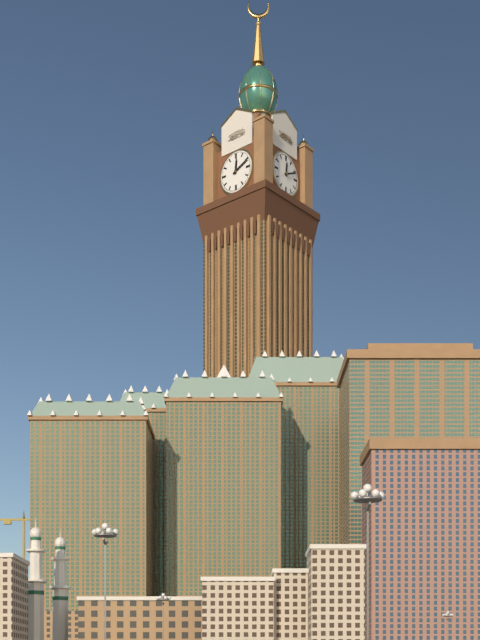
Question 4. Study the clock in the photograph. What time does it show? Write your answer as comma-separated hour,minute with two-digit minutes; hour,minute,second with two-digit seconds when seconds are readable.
12,11
